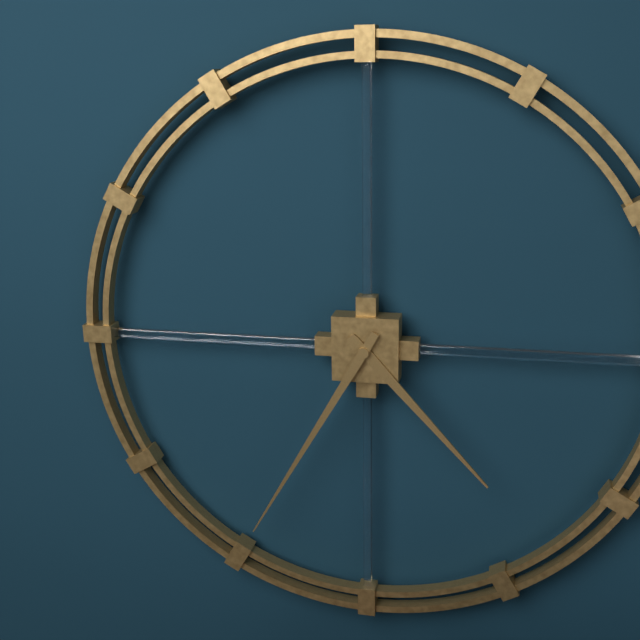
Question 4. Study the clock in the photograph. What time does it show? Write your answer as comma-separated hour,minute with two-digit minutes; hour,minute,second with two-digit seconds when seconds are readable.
4,35
